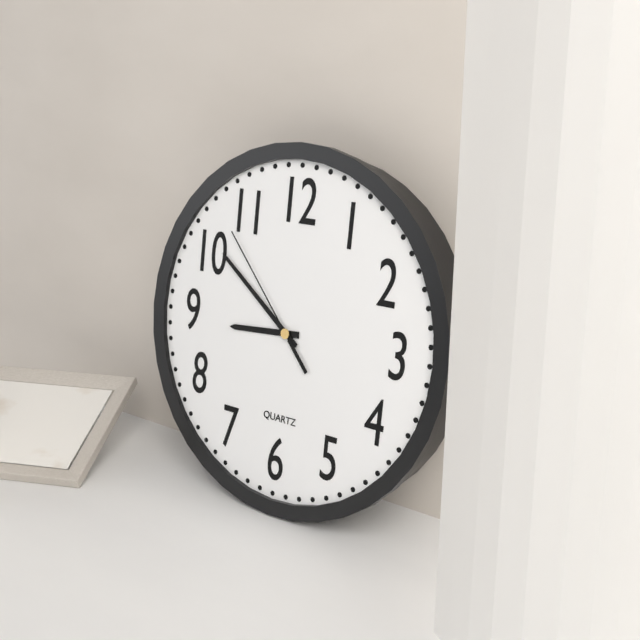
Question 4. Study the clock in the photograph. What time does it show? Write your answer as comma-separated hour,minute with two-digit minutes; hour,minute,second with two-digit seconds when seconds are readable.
8,51,53
